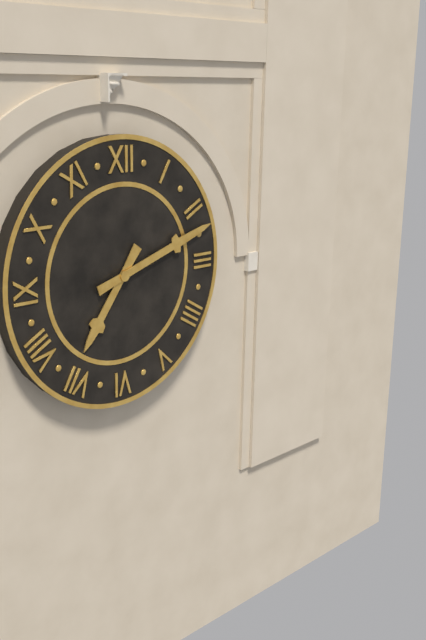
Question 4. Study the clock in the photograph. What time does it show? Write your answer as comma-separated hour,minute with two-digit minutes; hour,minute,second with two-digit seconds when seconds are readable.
7,12
